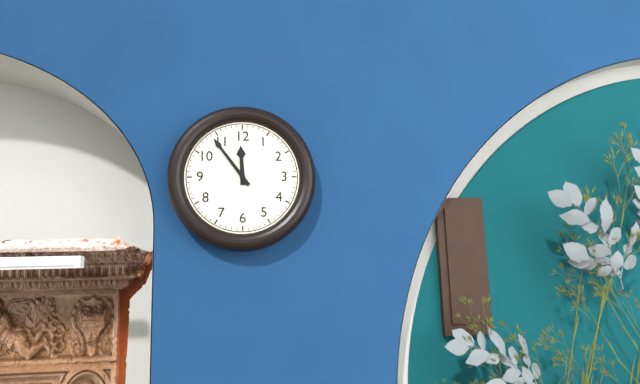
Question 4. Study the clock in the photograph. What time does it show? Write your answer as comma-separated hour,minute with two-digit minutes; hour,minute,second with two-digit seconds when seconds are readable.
11,54
